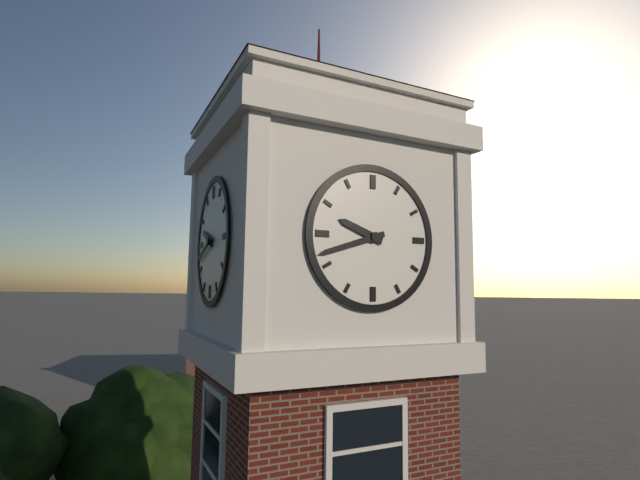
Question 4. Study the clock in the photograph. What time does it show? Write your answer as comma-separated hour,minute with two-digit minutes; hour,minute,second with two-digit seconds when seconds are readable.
9,42
